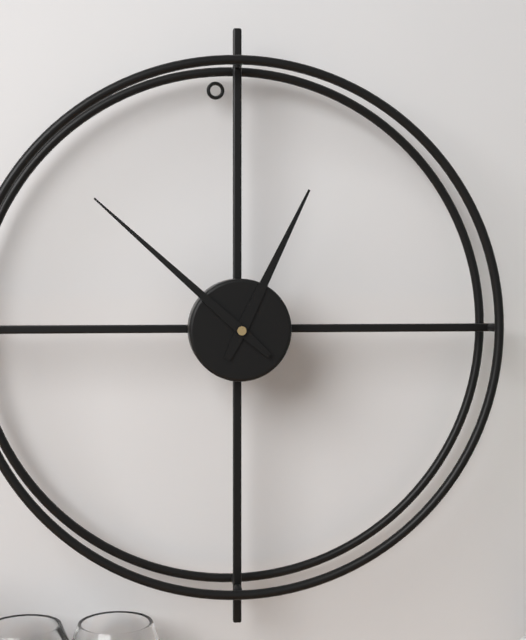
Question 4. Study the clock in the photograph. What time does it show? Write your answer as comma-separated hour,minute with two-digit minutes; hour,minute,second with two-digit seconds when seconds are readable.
12,52
